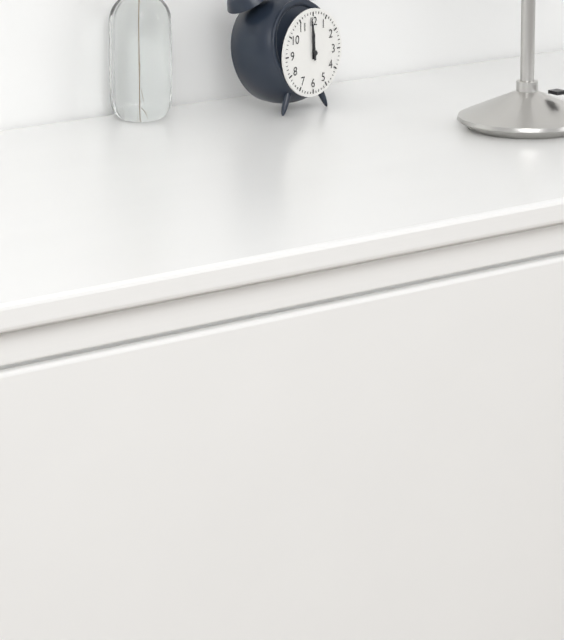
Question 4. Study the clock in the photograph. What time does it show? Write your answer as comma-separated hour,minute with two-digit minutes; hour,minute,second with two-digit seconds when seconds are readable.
11,59
